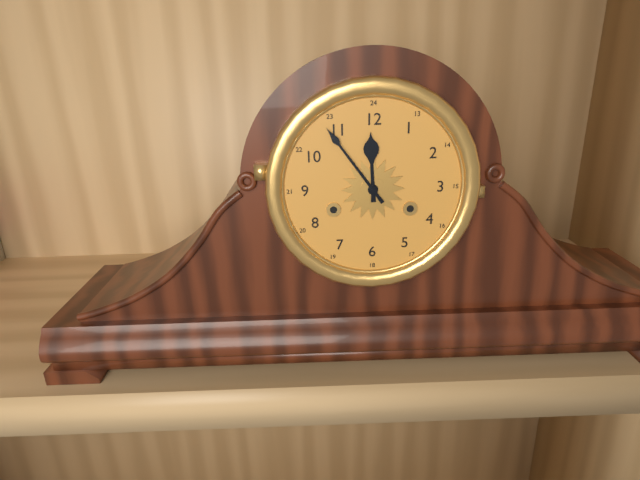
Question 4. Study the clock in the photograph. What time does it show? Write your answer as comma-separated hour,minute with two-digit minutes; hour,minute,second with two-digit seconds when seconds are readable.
11,54
